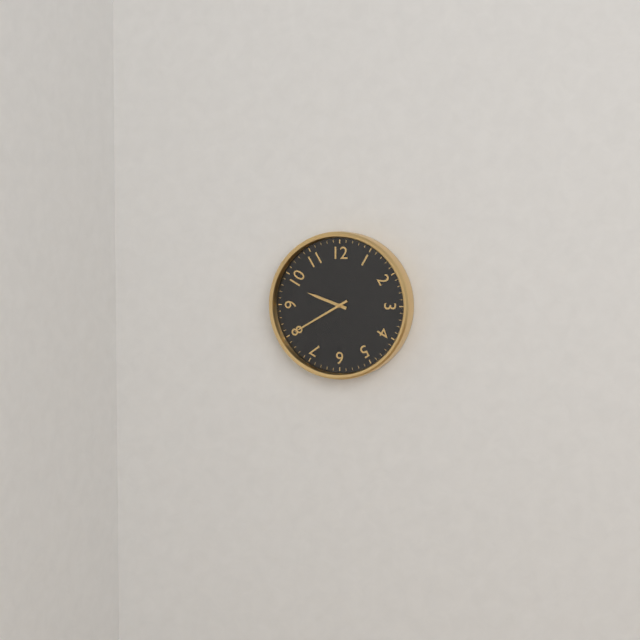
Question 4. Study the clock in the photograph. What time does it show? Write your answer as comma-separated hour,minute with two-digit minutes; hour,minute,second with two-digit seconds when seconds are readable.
9,40
